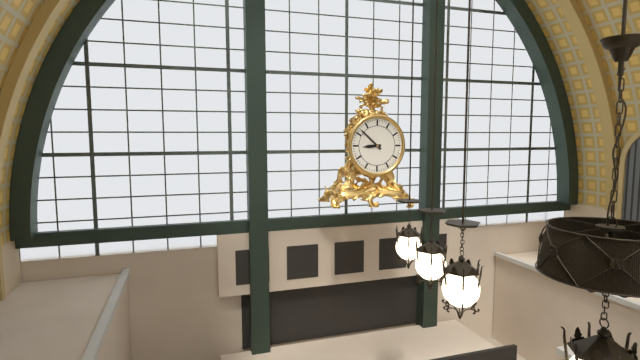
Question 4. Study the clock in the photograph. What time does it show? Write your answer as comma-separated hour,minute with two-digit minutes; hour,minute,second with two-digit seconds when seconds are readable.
8,52
